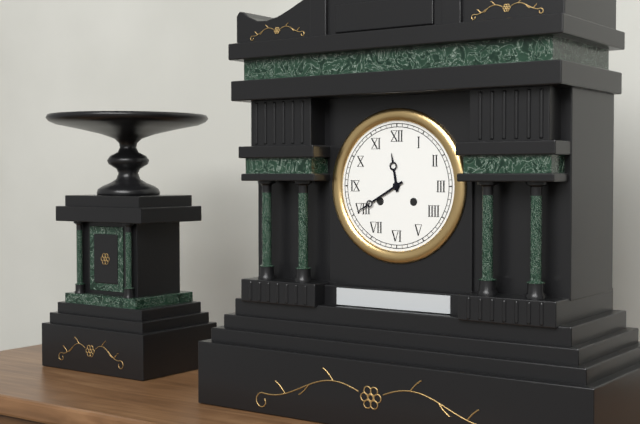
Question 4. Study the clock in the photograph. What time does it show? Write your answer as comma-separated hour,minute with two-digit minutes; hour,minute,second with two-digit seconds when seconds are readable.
11,40
